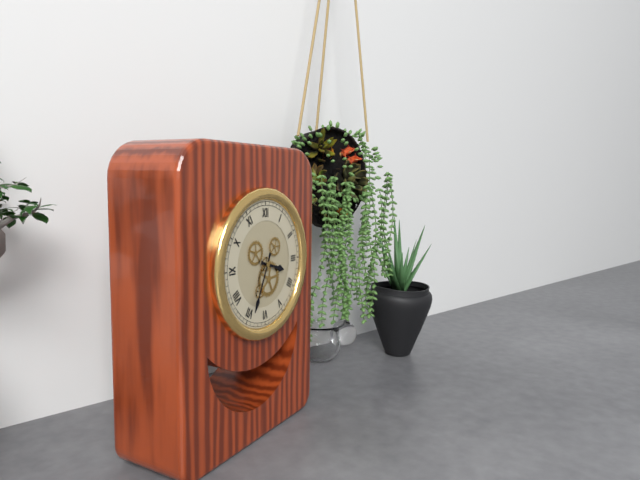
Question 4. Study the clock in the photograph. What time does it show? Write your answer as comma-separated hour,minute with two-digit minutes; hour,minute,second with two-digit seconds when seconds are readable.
3,34
